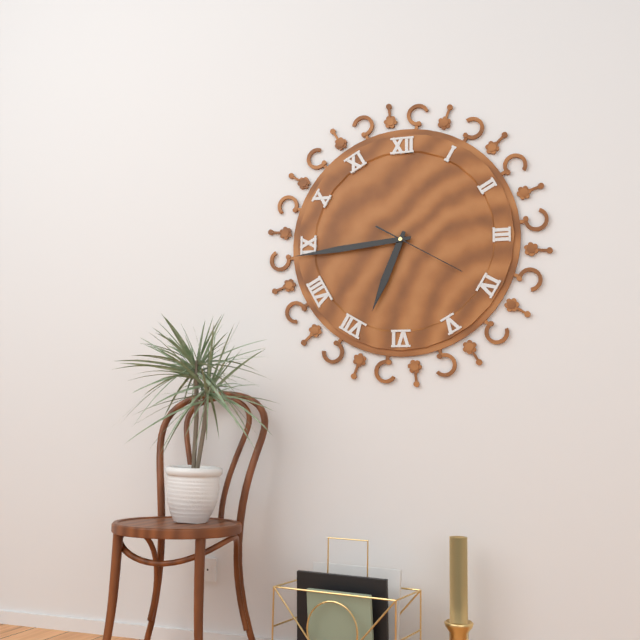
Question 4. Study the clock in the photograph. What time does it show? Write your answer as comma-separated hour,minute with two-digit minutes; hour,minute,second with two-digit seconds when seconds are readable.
6,44,20
